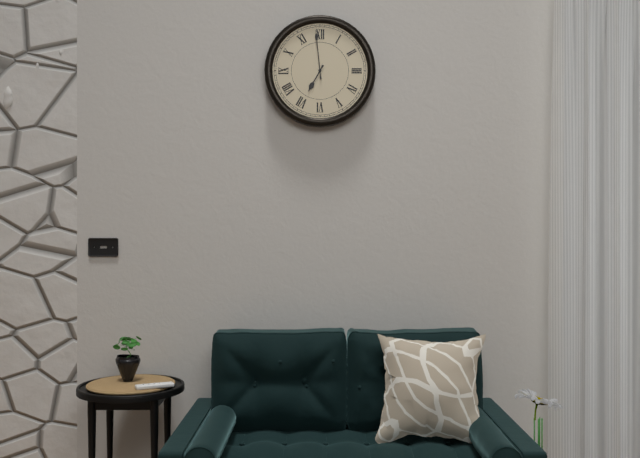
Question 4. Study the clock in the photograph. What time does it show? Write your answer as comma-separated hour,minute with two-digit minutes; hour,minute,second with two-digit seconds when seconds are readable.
6,59
